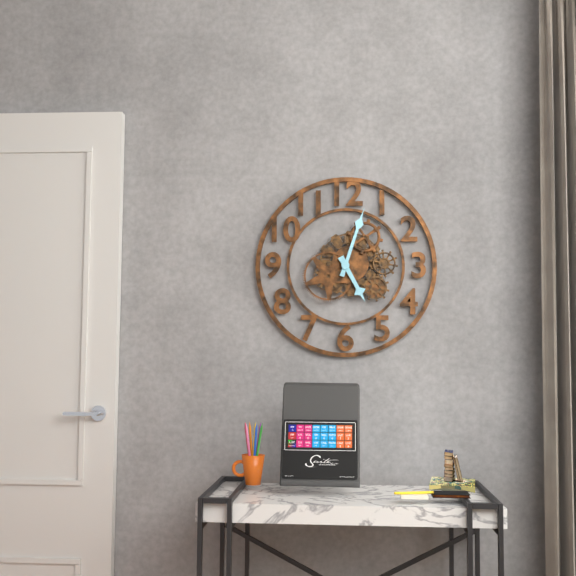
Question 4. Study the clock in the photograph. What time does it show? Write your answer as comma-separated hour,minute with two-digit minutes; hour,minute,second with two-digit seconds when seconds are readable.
5,03
